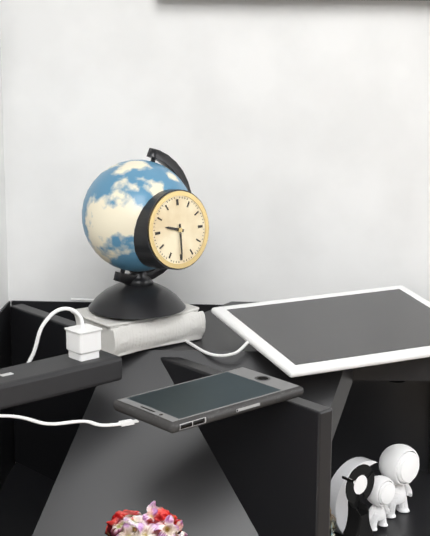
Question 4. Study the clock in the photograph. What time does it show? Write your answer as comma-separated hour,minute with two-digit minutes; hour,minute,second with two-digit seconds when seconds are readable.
9,30
